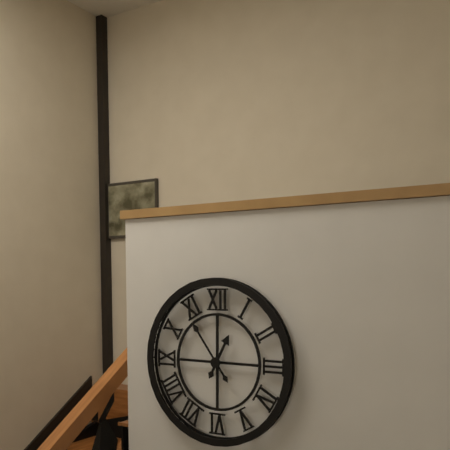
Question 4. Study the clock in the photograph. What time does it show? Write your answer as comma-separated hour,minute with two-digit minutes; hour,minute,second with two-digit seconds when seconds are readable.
12,54
